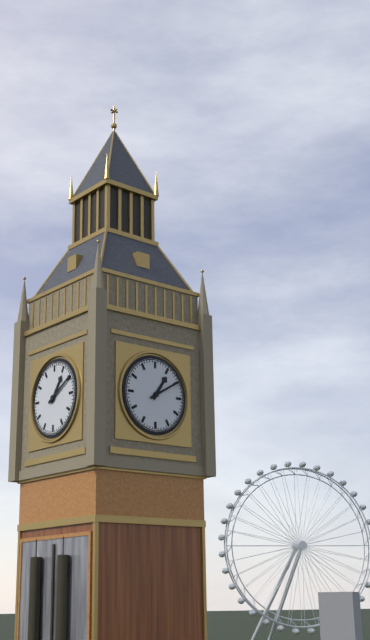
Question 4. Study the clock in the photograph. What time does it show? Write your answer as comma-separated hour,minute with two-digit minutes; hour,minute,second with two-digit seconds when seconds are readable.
1,10
